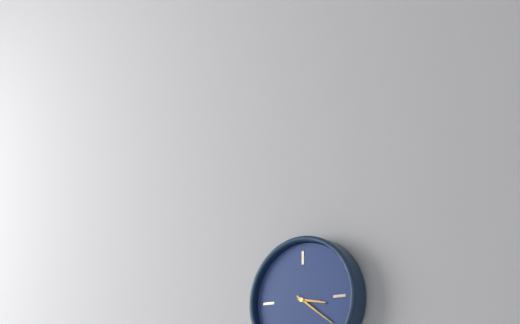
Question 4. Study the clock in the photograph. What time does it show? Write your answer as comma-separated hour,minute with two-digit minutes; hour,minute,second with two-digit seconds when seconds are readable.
3,21
